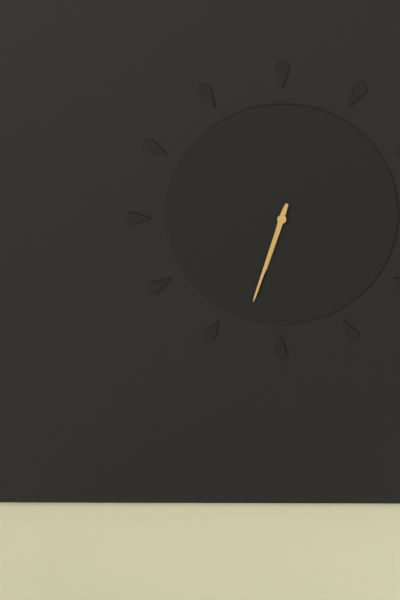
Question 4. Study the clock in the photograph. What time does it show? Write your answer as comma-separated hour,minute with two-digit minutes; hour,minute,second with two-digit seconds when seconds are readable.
6,33
